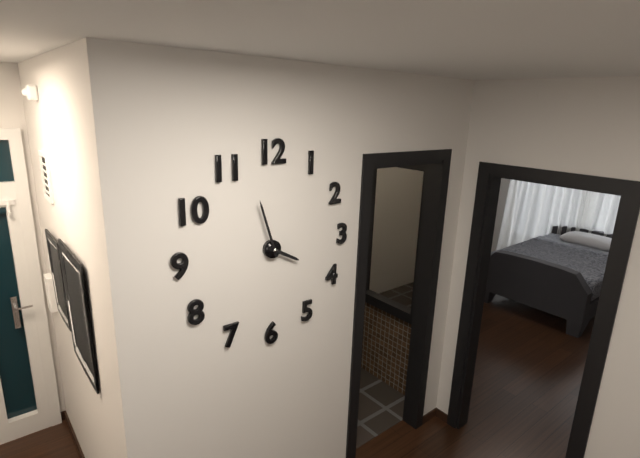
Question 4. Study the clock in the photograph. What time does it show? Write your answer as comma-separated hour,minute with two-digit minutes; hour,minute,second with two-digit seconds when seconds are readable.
3,57
